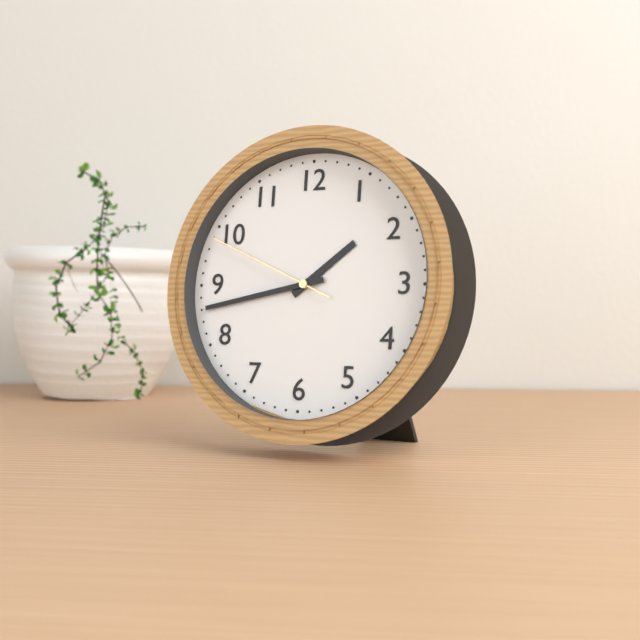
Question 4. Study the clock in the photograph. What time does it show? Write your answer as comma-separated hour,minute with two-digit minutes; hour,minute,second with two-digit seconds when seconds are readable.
1,43,49
